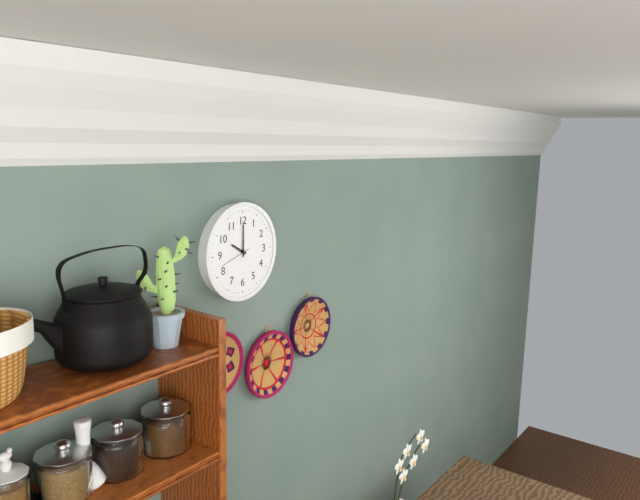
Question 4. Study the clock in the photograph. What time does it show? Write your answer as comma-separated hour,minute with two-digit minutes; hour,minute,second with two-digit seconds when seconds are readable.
10,00
